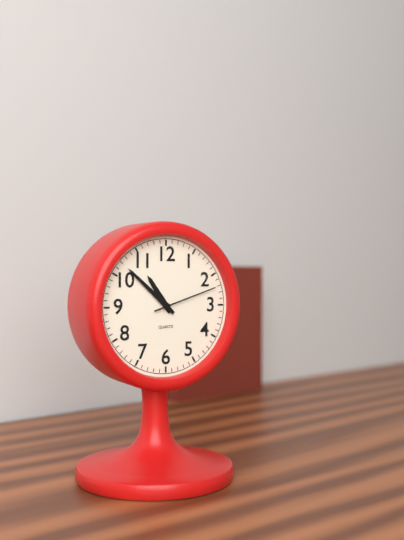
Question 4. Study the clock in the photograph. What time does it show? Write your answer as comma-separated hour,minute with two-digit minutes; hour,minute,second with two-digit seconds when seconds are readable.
10,52,12
